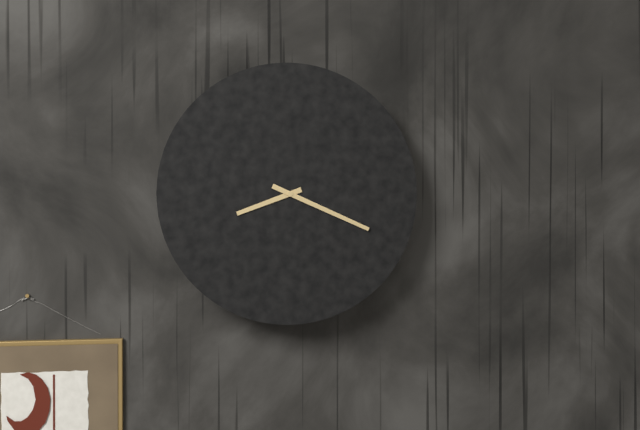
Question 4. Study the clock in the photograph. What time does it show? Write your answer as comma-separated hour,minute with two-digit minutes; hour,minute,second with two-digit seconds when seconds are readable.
8,19
